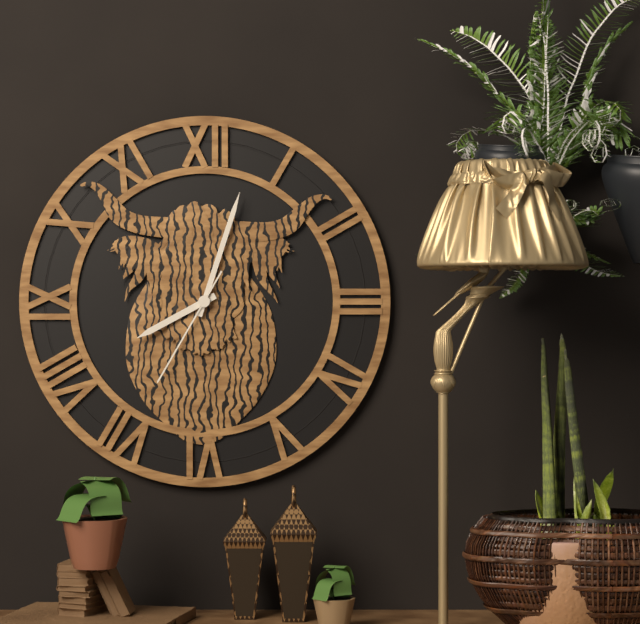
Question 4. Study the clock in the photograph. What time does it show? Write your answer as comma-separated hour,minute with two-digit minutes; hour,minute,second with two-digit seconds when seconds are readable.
8,03,35
